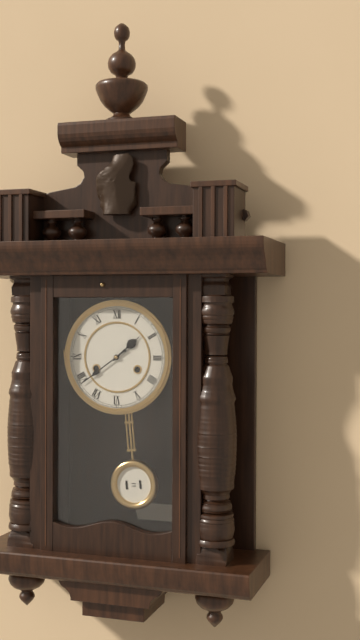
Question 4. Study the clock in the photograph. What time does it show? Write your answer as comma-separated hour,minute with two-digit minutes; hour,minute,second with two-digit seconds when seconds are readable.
1,39
